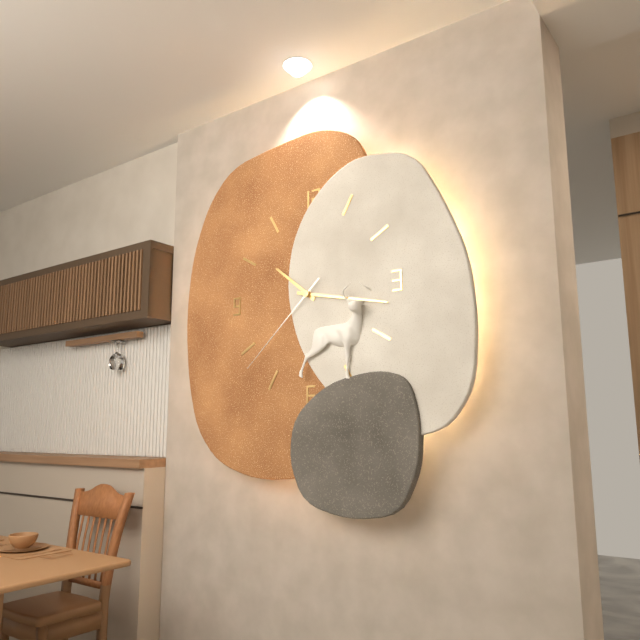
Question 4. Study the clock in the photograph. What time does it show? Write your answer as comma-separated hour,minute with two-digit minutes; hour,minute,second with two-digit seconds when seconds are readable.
10,17,38
